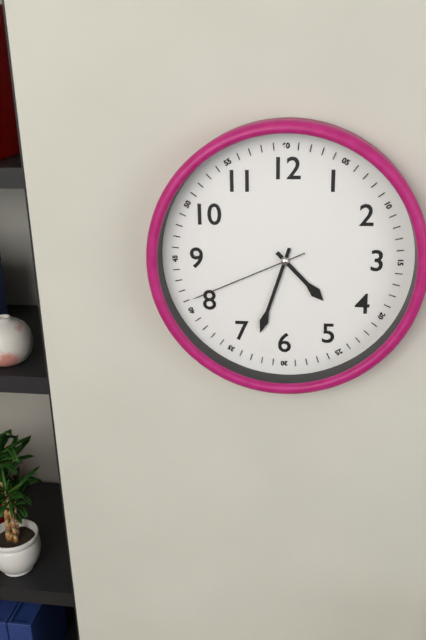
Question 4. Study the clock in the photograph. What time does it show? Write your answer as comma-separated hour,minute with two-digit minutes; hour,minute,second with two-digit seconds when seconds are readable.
4,33,41
